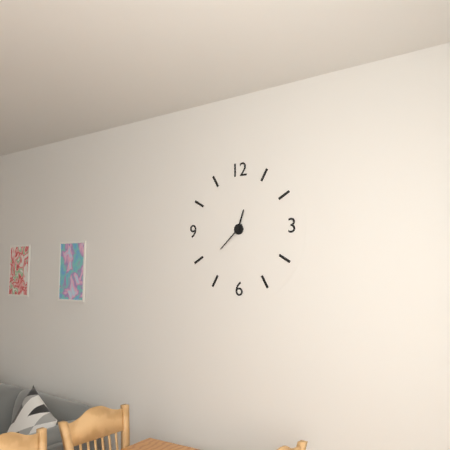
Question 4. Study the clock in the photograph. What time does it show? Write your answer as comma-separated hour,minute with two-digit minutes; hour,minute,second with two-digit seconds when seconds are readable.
12,38
